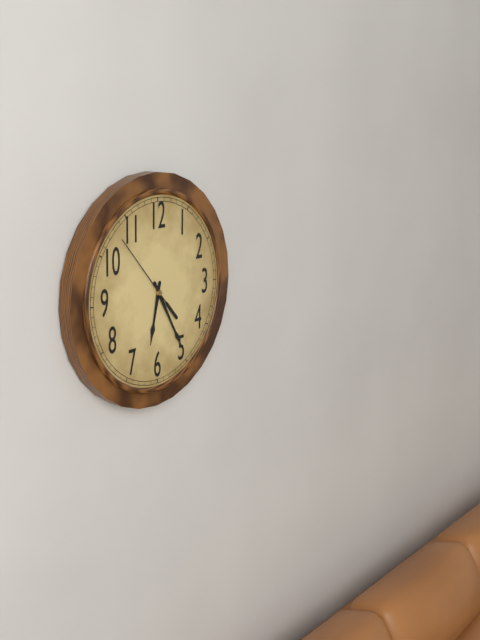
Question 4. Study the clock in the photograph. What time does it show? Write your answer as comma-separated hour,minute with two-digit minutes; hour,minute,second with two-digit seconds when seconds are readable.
6,25,53
